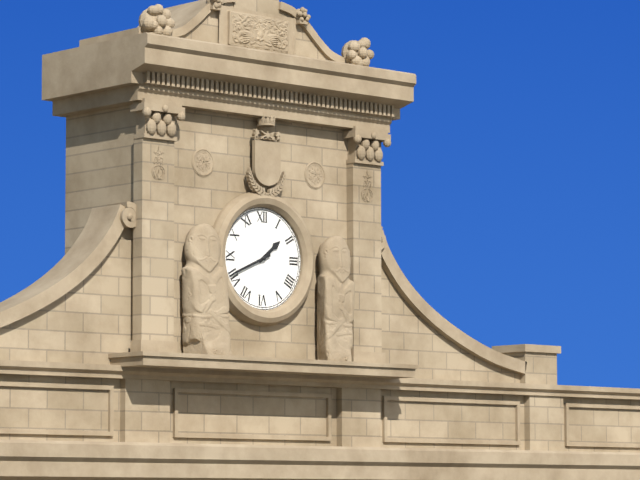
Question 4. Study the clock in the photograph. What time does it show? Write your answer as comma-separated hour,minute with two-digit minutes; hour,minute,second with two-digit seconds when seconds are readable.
1,41
